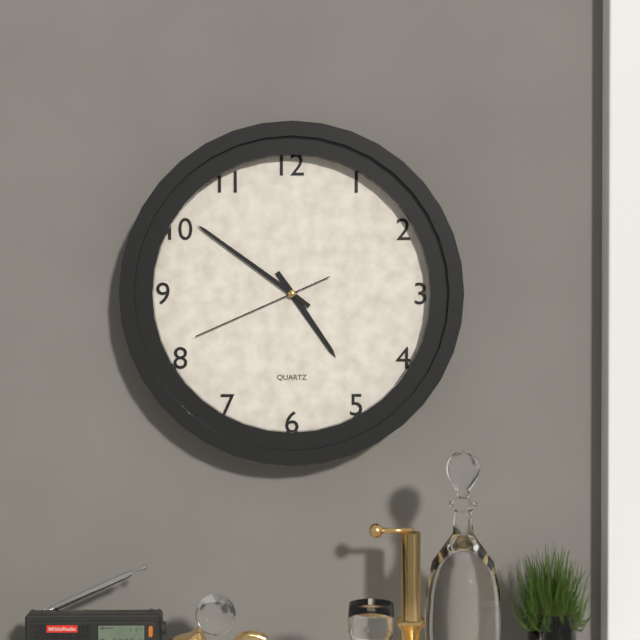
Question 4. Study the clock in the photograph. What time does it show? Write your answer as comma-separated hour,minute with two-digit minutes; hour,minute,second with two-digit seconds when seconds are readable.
4,51,41
